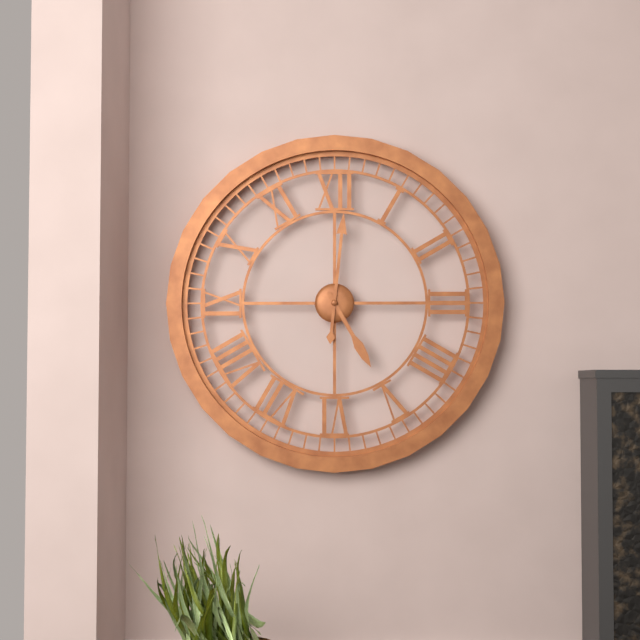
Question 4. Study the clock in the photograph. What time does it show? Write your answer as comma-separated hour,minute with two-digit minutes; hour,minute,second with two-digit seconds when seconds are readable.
5,01
